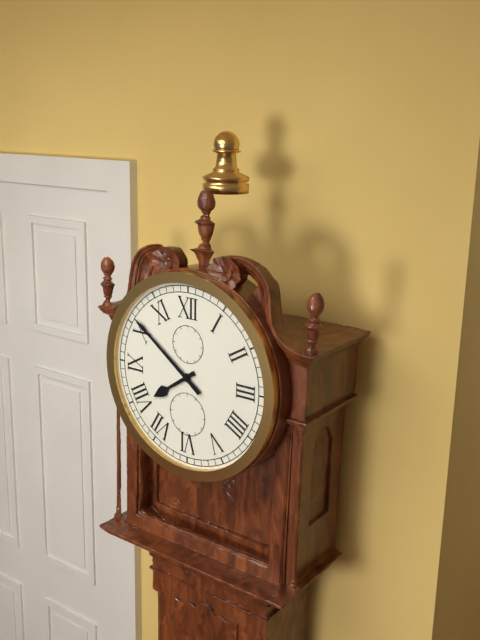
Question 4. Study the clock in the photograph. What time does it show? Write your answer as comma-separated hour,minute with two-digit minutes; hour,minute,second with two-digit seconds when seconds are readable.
7,51
